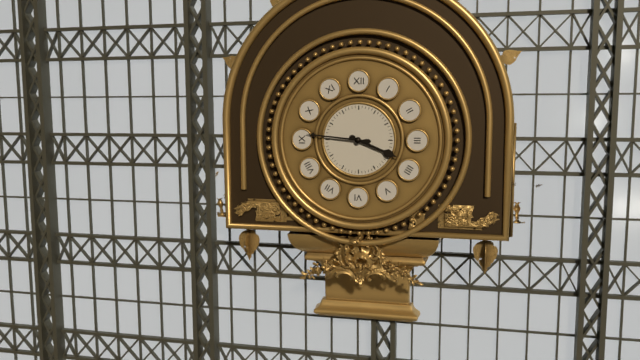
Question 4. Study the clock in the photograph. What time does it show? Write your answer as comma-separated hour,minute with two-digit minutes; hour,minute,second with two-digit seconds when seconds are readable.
3,46
